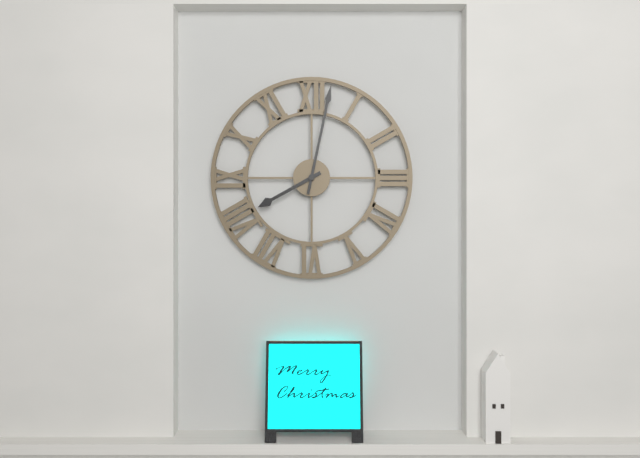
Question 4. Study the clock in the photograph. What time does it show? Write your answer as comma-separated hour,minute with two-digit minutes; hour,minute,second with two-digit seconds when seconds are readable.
8,02
